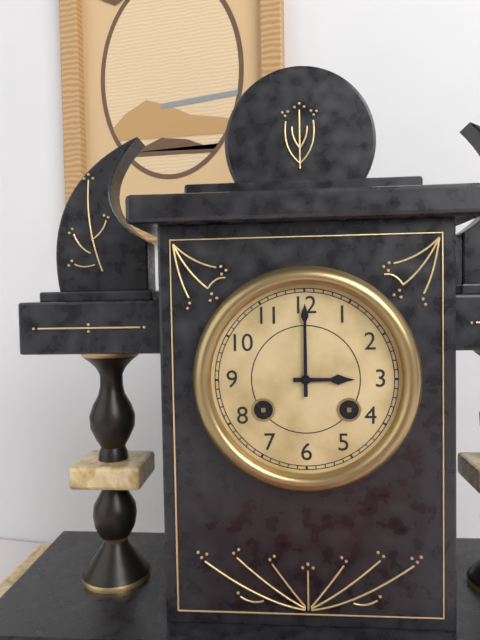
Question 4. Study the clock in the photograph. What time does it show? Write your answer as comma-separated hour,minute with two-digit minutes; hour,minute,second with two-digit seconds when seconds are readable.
3,00
